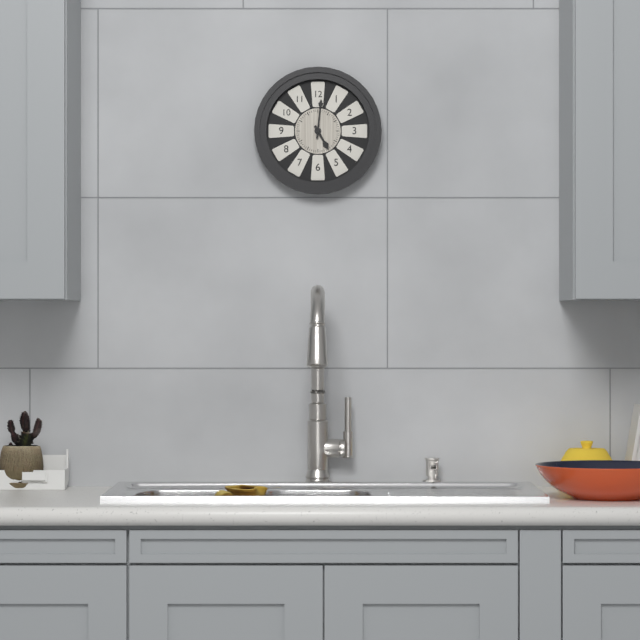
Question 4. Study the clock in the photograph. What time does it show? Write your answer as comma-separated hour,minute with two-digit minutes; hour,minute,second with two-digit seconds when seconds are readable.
5,01
